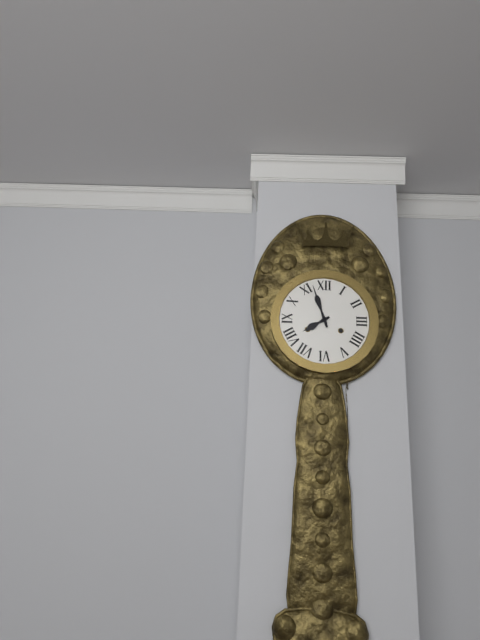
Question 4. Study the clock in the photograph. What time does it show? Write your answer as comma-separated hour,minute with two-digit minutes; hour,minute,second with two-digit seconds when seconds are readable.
7,57
